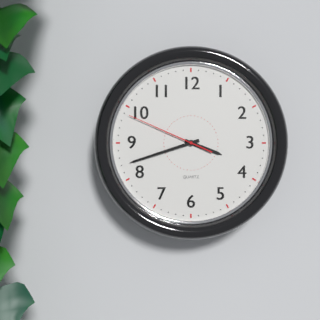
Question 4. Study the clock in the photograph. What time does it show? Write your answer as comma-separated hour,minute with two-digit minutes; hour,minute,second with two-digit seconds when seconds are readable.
3,42,49
